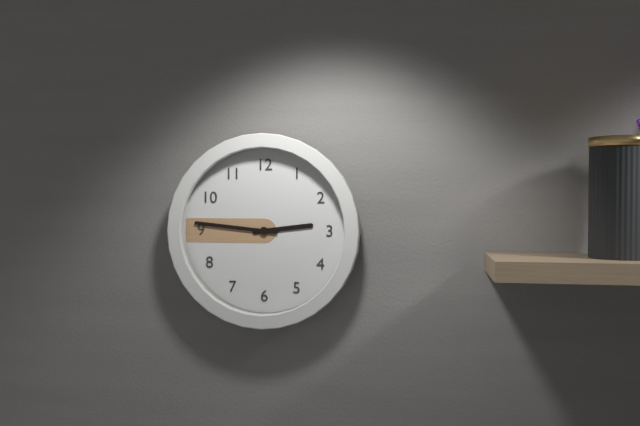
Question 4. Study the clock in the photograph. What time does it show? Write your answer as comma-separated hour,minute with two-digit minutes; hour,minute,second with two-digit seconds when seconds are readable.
2,46
